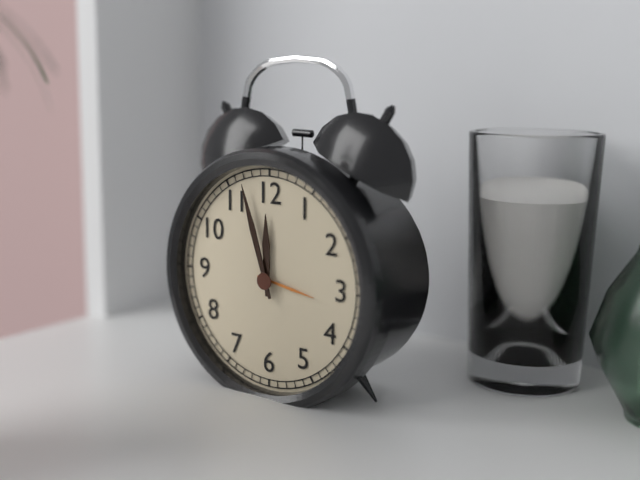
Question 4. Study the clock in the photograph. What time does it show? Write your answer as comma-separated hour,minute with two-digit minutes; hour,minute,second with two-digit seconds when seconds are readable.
11,57
